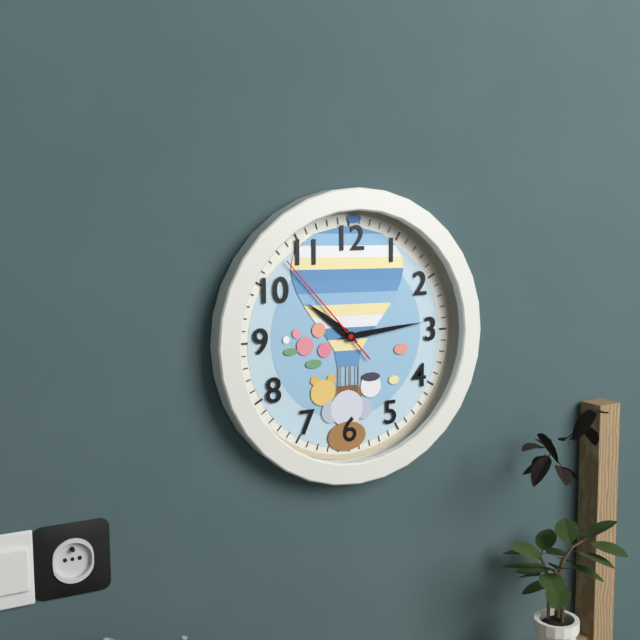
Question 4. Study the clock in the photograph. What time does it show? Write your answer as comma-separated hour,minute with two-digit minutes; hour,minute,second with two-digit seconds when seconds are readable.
10,14,53
